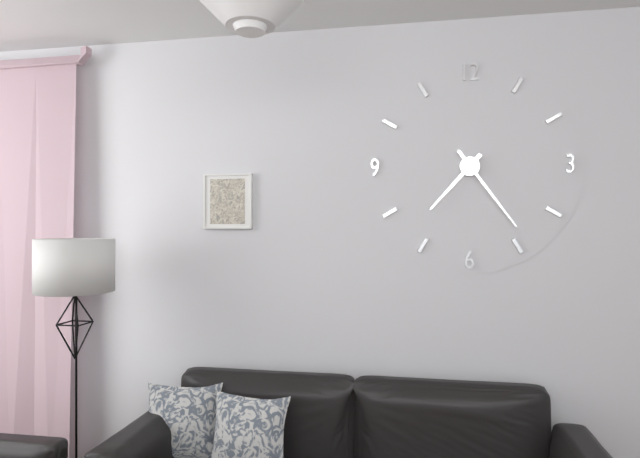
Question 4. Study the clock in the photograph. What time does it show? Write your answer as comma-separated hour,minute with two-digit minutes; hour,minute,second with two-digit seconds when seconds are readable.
7,24
